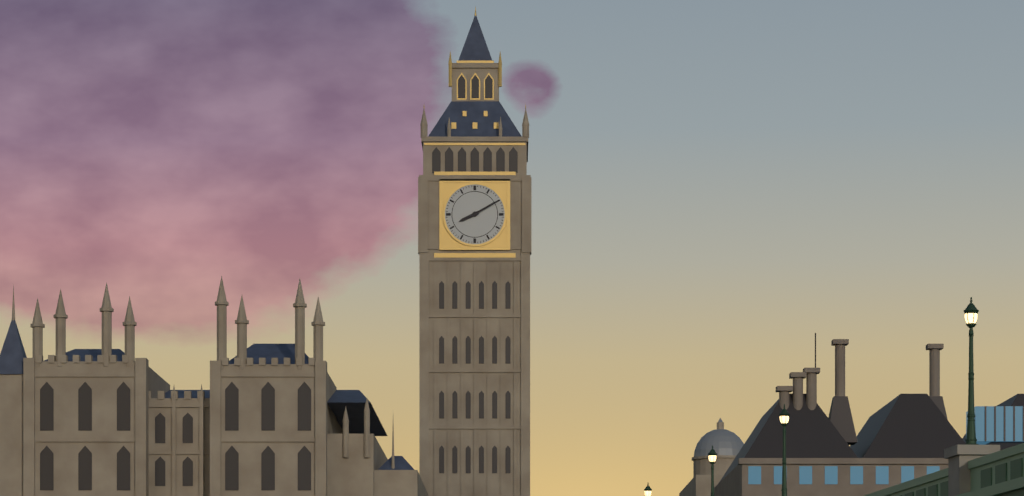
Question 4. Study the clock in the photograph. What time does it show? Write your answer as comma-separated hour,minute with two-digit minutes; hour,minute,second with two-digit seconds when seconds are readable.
8,10
